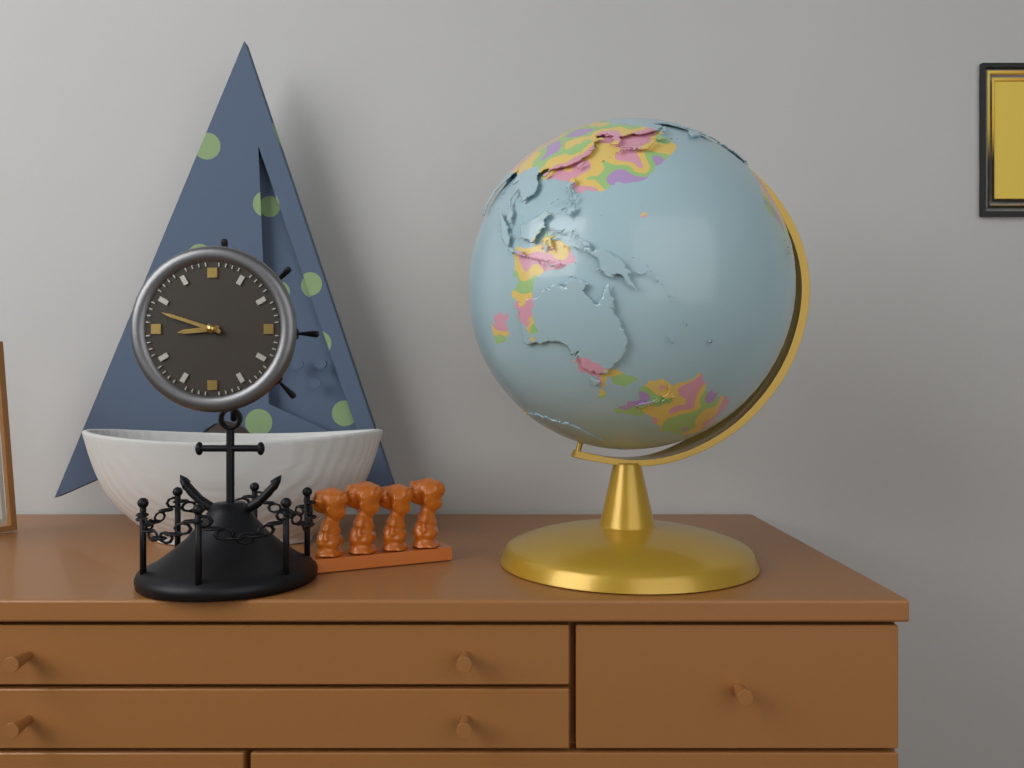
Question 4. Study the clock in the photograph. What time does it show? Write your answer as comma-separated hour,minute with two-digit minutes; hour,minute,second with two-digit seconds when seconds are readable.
8,48
